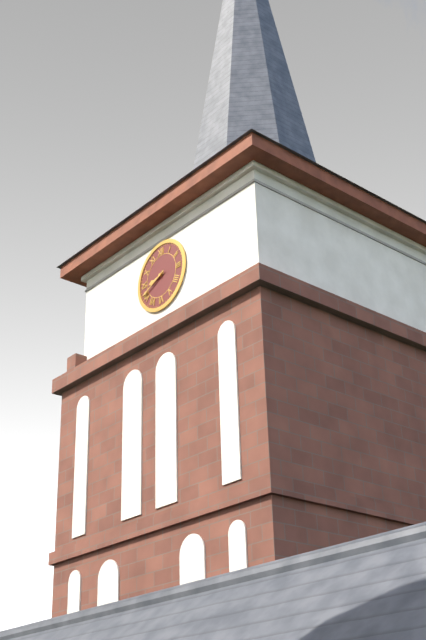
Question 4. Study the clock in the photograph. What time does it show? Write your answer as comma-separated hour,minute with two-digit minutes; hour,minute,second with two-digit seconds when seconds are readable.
8,41
